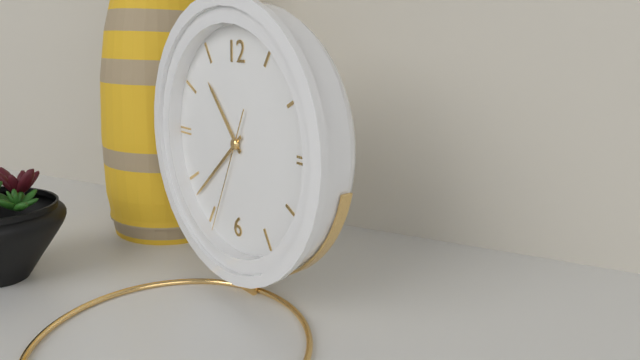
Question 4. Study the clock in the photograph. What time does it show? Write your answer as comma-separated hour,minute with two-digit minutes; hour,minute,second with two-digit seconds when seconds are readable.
10,38,34
